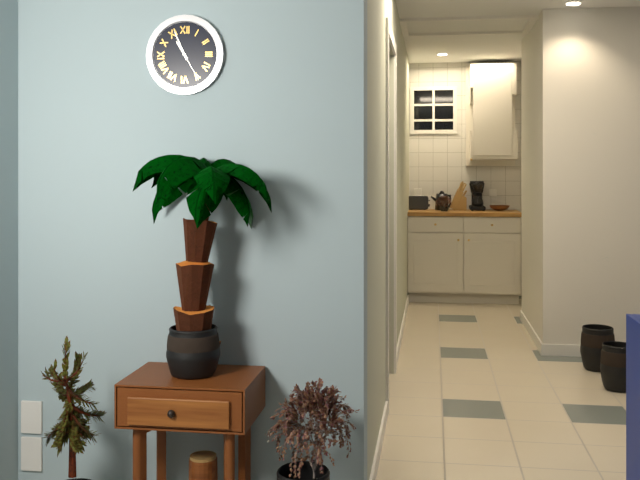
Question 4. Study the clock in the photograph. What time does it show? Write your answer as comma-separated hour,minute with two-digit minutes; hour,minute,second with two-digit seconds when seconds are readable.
10,56
